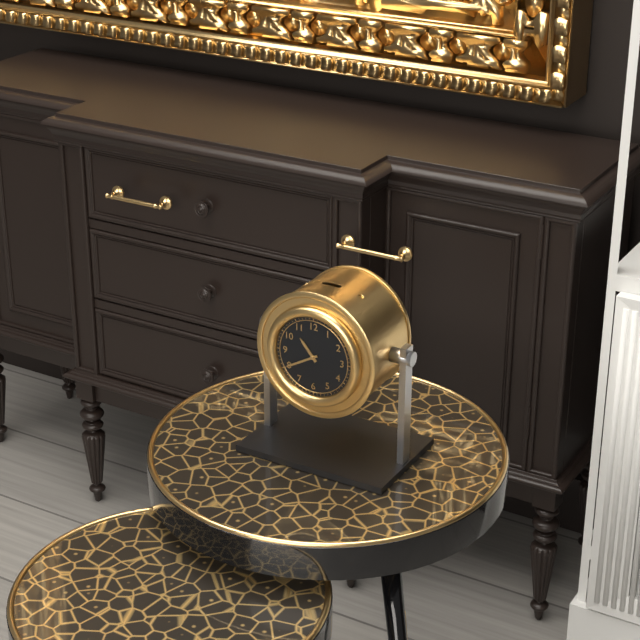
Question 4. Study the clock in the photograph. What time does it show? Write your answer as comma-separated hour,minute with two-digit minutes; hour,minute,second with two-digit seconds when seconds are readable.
10,40
